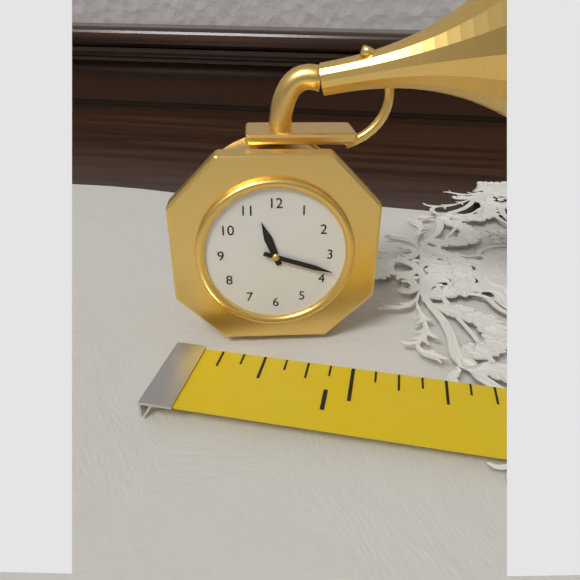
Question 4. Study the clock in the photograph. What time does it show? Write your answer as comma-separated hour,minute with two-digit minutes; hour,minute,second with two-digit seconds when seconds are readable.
11,18
